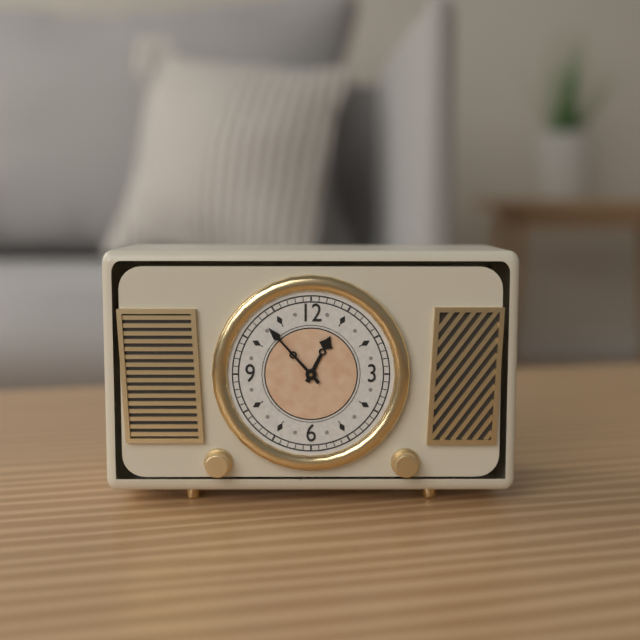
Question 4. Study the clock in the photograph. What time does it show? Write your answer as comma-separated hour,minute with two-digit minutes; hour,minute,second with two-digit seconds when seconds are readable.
12,53
